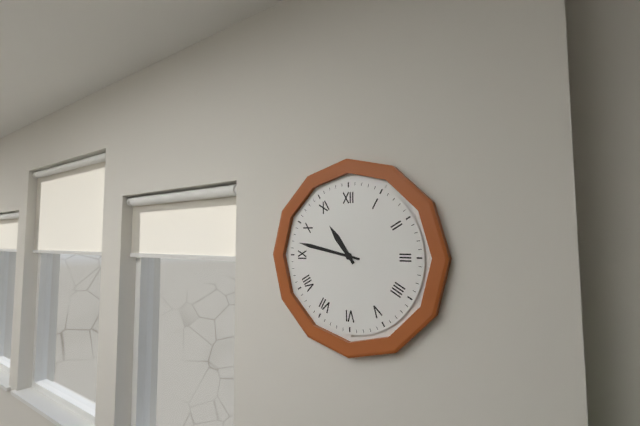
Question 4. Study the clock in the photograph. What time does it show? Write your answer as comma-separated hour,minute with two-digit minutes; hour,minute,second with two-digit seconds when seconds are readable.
10,47
